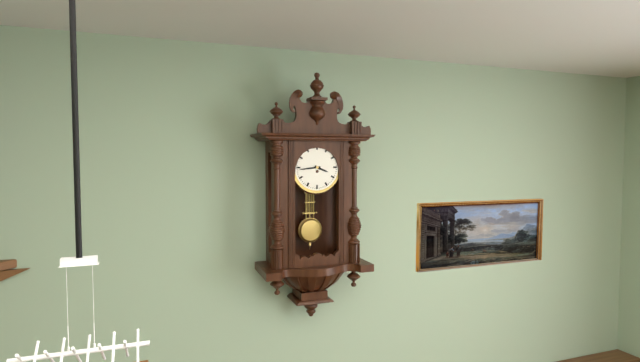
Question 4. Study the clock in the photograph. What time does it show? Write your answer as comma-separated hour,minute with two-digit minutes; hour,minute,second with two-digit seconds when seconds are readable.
3,44
